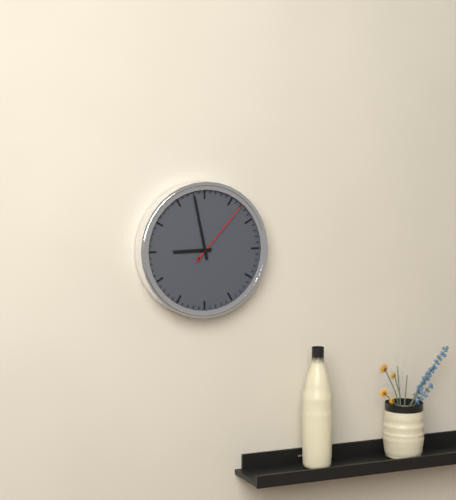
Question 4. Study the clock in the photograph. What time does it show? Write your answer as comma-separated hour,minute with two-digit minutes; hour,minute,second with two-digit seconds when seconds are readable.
8,58,07
